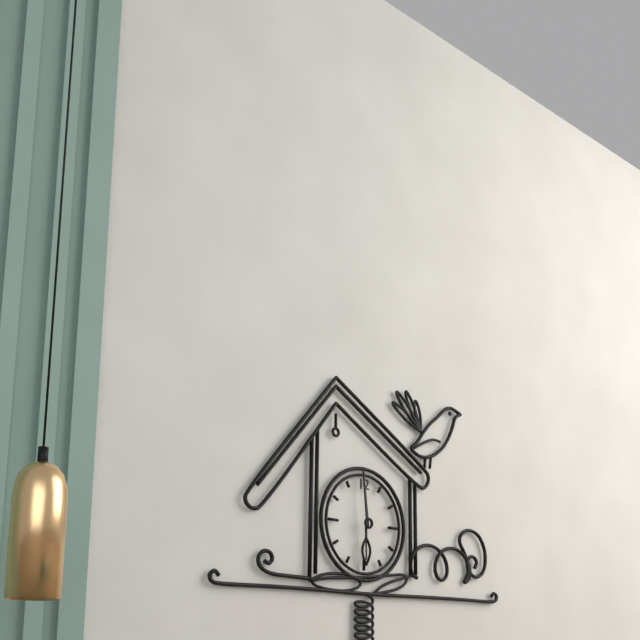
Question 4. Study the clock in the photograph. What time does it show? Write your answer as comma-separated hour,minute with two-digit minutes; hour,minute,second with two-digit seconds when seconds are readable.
5,59
